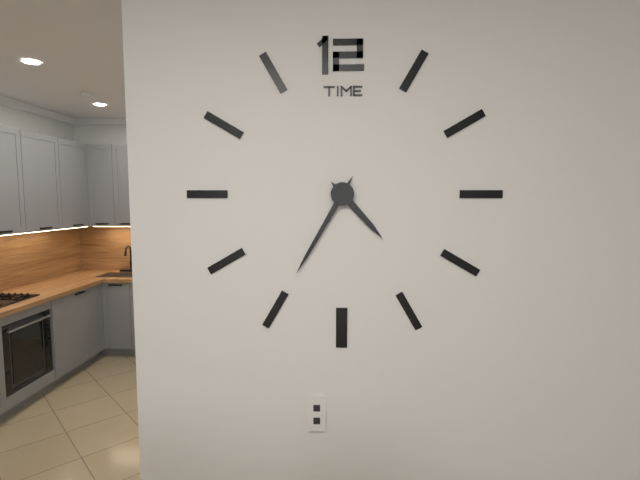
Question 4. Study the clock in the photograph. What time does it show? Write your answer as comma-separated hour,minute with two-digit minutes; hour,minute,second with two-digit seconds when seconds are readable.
4,35
